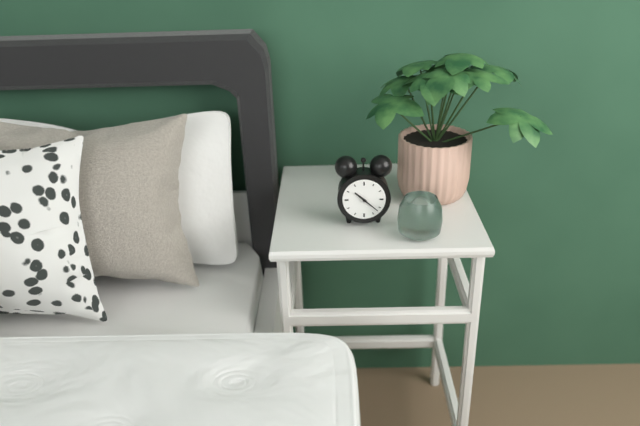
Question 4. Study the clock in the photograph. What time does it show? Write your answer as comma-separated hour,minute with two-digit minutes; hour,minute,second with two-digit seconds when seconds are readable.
10,22
